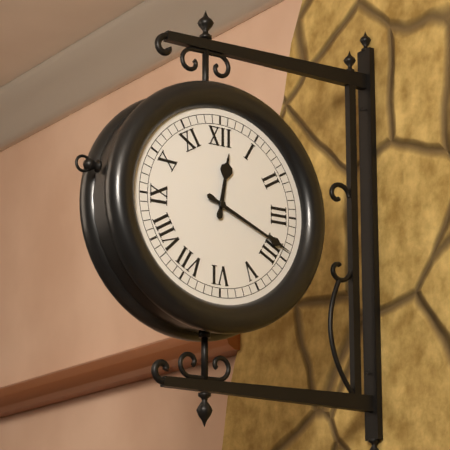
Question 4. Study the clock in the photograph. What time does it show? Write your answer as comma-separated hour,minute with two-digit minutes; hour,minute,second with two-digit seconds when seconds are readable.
12,19
